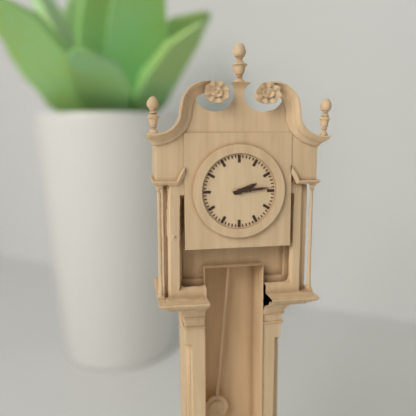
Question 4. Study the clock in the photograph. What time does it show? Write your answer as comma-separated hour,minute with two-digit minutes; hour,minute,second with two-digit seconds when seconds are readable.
2,14
